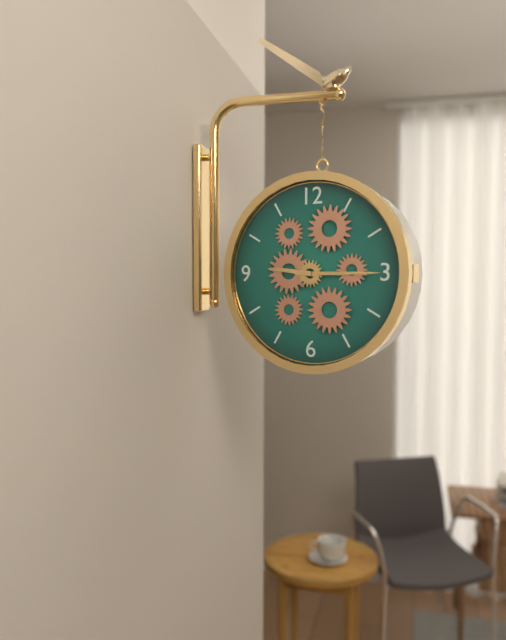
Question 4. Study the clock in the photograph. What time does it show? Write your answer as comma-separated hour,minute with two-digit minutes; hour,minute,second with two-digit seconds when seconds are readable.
9,15
